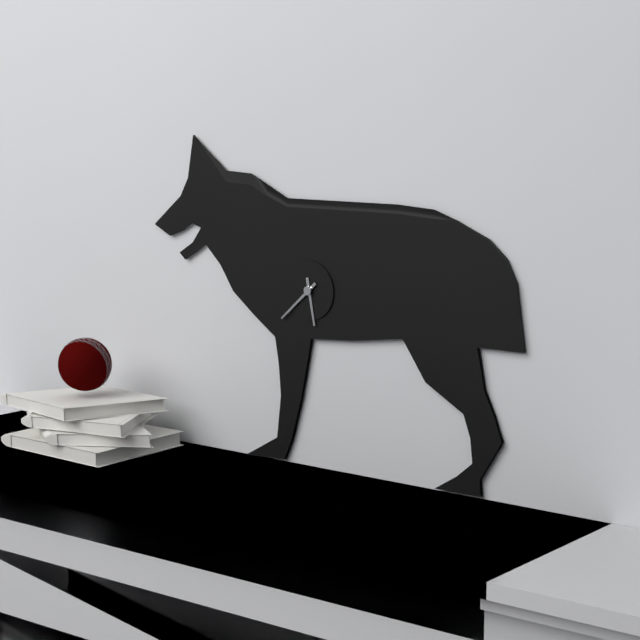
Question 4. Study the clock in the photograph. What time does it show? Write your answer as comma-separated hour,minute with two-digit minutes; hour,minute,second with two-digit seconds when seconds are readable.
5,38
